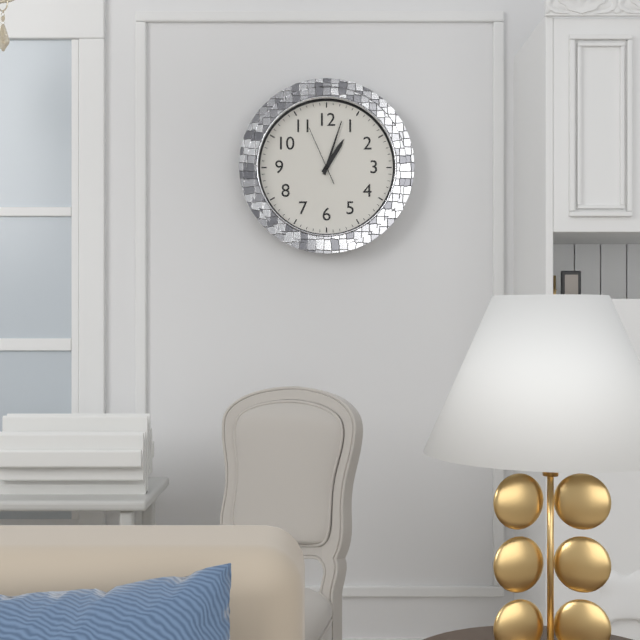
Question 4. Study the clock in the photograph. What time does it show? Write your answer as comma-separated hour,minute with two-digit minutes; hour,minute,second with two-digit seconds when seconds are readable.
1,03,56
